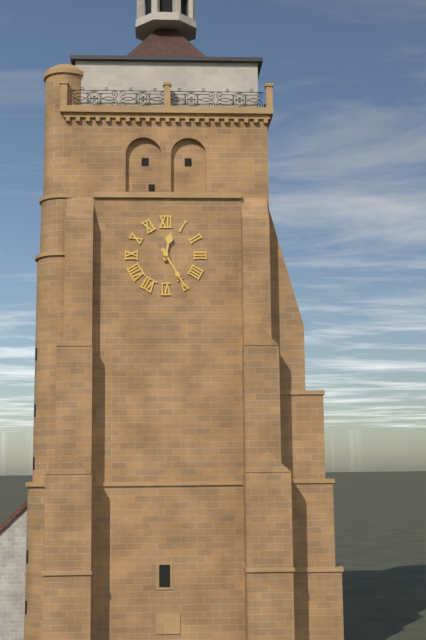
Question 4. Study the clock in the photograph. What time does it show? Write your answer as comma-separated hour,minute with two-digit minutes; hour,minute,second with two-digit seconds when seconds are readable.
12,25
